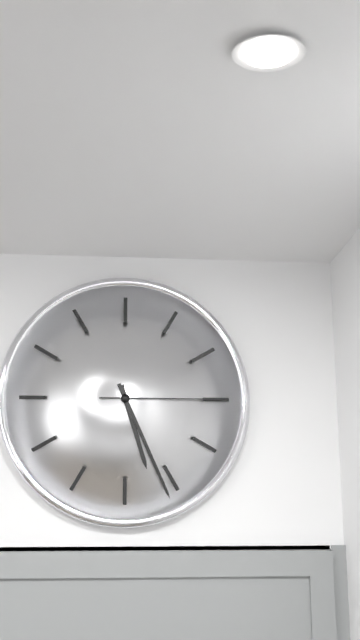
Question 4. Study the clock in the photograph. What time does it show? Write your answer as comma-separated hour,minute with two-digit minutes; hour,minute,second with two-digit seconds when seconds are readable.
5,26,15
